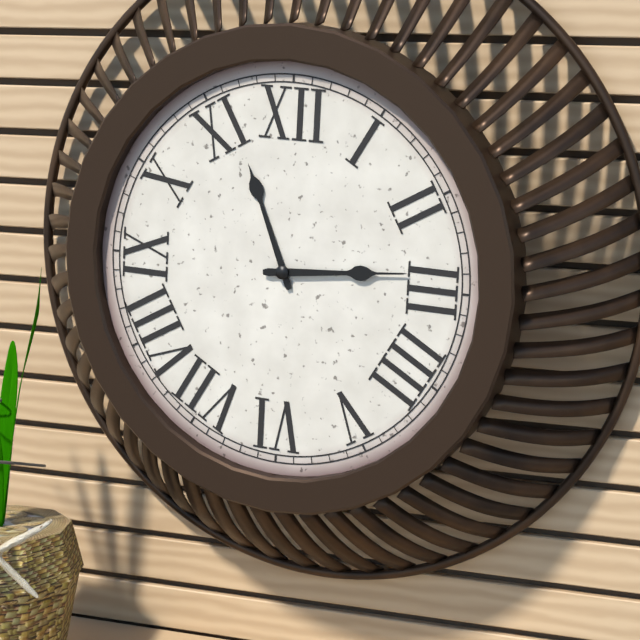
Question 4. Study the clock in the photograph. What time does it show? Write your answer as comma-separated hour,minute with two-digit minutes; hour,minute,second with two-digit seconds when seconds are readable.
11,14
